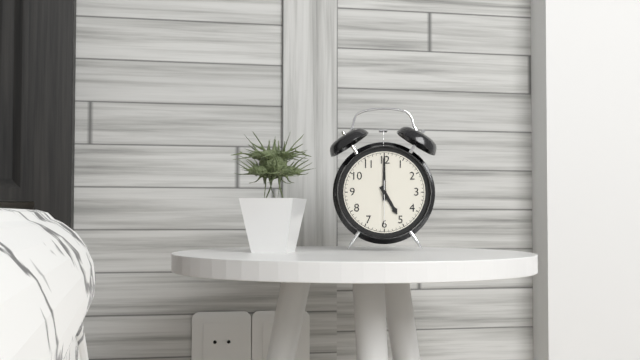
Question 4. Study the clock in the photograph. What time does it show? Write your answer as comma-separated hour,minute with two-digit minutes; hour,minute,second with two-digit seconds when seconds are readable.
5,00
